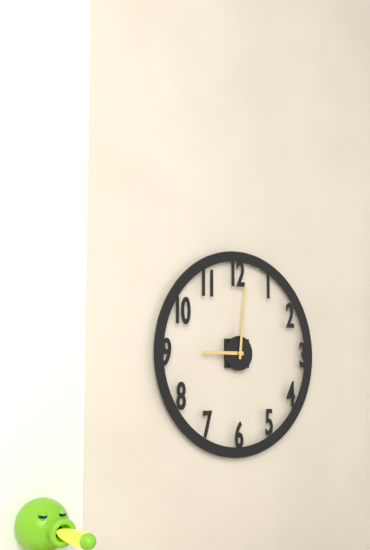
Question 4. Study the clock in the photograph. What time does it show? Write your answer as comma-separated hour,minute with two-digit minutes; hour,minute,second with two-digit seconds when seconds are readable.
9,01
